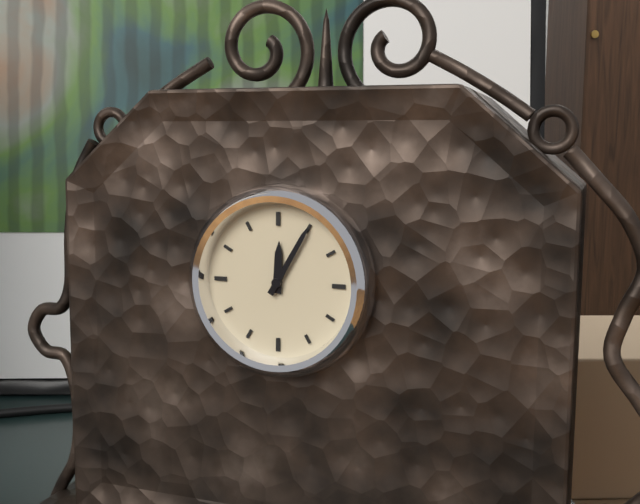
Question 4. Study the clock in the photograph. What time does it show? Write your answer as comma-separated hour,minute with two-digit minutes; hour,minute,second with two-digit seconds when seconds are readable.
12,05
